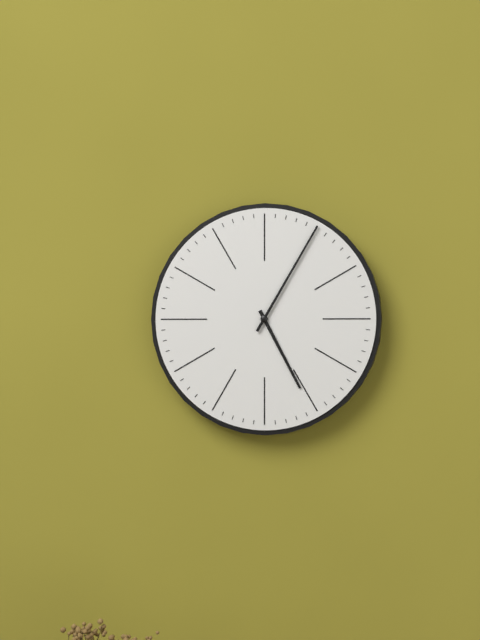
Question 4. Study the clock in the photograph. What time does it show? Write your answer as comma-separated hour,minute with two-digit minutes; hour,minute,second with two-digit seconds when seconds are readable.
5,05
